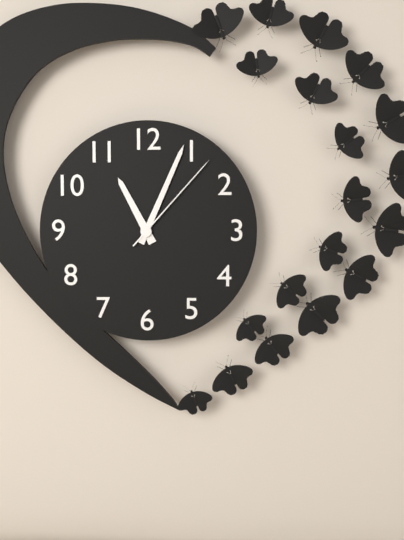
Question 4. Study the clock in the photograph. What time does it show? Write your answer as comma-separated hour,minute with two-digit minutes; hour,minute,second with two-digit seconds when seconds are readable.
11,04,07
